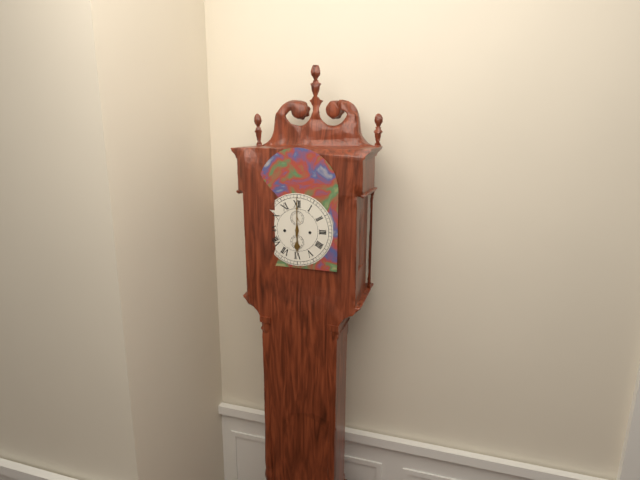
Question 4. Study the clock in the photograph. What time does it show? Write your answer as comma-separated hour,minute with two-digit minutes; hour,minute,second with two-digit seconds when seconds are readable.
6,00
